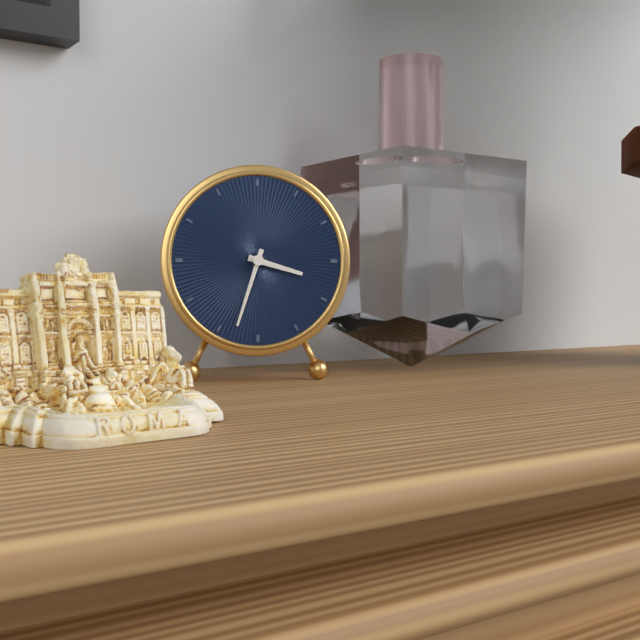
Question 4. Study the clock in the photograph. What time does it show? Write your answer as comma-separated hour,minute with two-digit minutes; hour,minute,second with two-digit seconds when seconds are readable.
3,33
